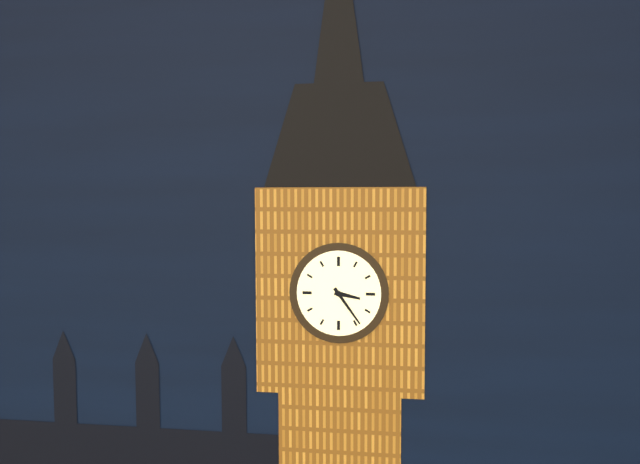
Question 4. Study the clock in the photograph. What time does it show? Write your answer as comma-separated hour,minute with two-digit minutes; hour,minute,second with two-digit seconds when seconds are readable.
3,24
